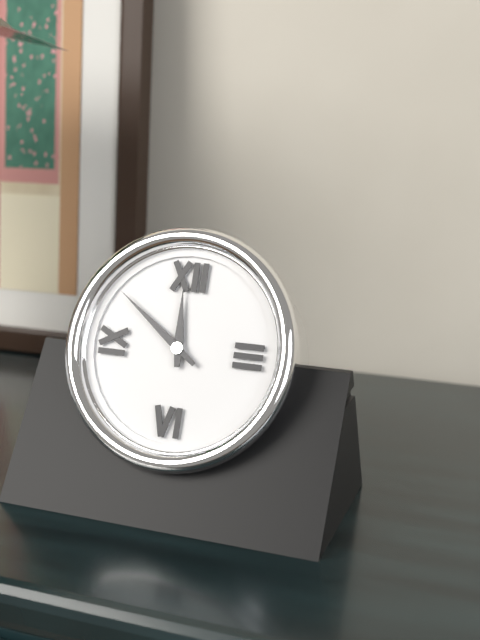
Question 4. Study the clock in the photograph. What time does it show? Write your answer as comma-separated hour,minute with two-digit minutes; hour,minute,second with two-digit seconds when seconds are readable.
11,51
